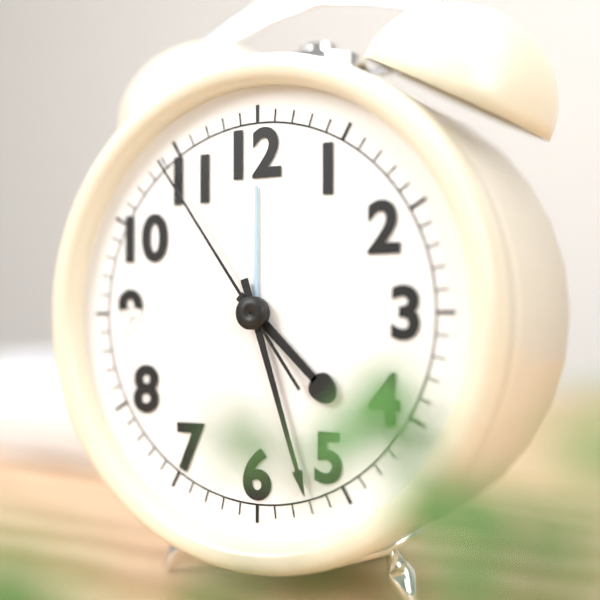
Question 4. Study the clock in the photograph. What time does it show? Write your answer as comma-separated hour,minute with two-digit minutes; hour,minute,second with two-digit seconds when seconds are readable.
4,27,54
